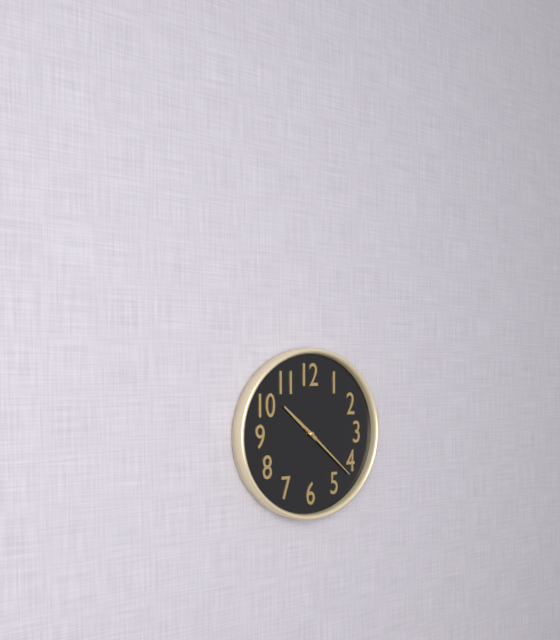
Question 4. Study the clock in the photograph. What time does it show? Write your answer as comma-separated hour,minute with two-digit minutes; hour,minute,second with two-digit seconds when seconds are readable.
10,22
